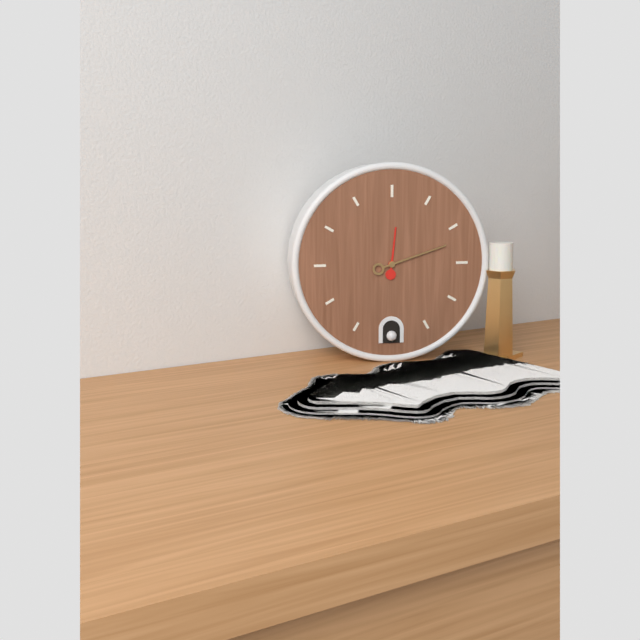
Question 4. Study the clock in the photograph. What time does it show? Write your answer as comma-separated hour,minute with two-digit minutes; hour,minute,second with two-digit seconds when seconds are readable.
12,12
